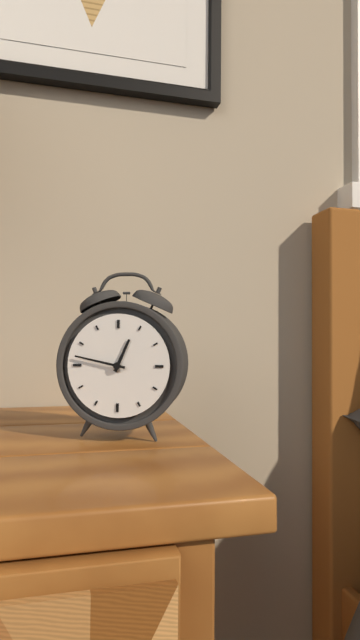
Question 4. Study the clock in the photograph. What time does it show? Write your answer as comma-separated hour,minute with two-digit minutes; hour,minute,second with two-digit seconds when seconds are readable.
12,47
